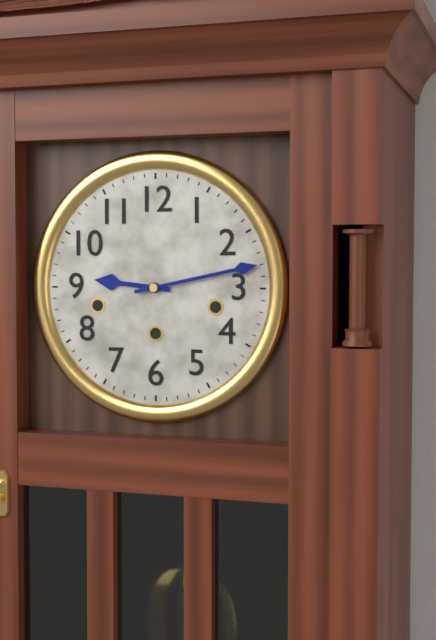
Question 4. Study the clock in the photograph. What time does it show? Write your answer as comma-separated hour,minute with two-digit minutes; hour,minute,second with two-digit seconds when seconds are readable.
9,13
